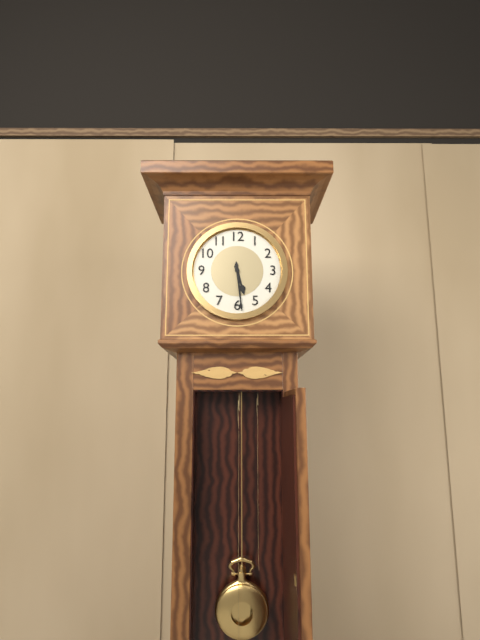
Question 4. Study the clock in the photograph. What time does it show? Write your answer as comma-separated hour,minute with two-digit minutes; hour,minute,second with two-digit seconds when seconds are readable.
5,29
